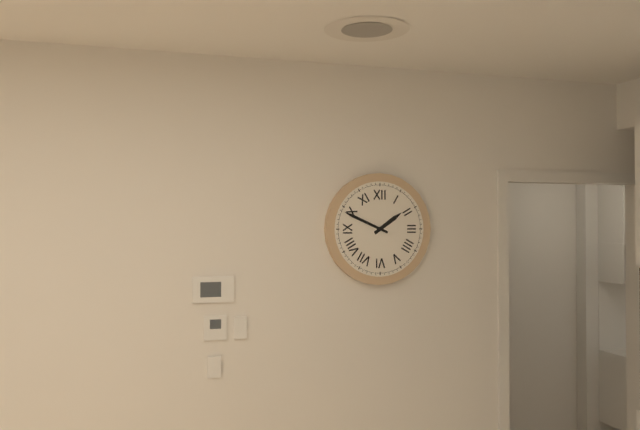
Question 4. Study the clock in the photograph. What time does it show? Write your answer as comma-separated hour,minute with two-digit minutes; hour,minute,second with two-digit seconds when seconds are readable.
1,49
